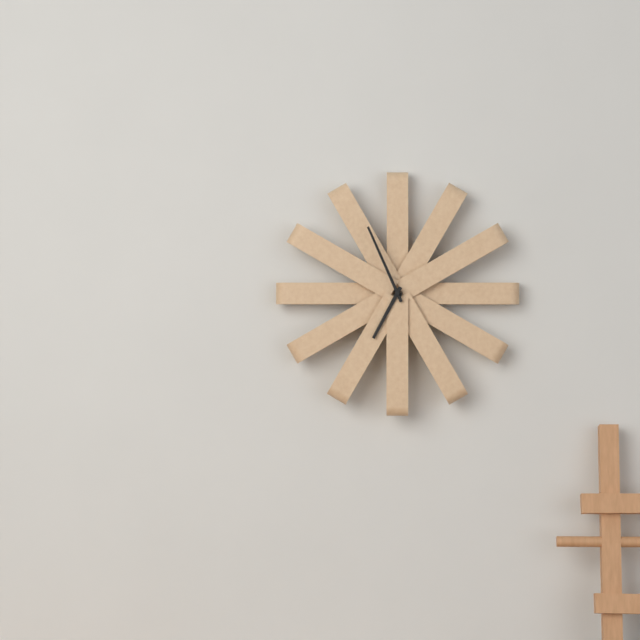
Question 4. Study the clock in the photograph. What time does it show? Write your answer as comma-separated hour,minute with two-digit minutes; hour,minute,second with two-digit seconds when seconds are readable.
6,56
